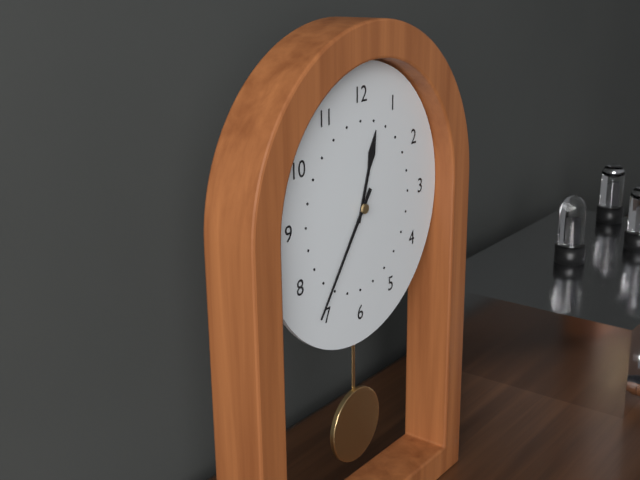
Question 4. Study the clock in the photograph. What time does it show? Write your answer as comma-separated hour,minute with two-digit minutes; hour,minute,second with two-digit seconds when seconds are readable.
12,36
